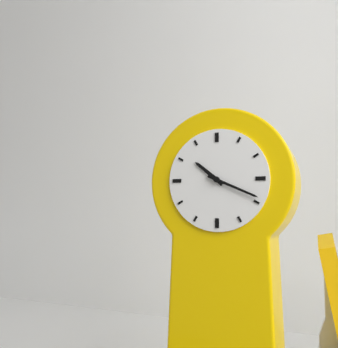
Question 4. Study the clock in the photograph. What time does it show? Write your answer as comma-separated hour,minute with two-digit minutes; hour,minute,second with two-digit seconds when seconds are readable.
10,19
